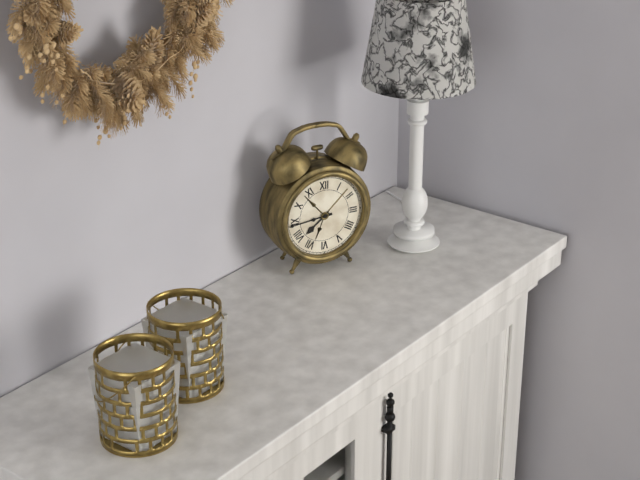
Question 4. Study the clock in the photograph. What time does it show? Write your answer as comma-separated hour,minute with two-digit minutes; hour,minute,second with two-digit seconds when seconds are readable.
7,44
